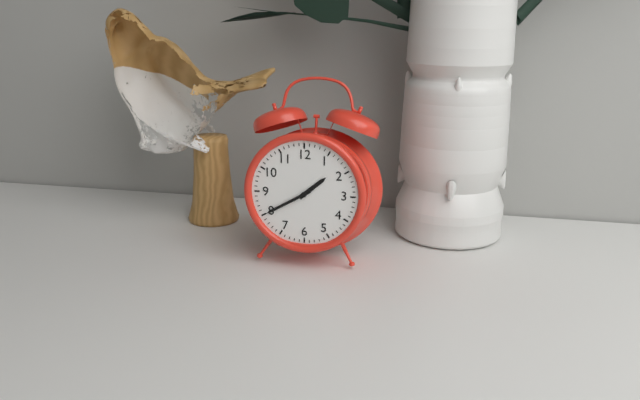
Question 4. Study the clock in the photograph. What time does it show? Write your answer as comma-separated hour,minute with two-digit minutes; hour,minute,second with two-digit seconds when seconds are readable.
1,40
